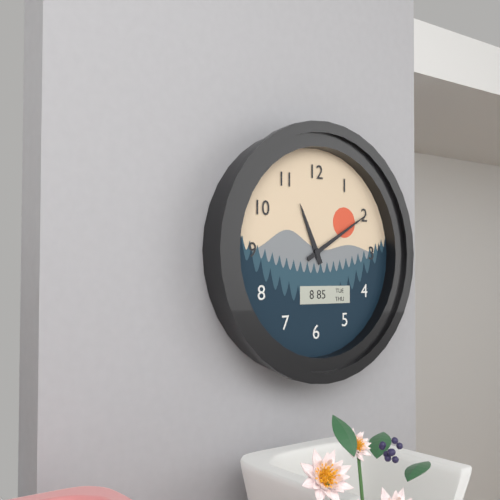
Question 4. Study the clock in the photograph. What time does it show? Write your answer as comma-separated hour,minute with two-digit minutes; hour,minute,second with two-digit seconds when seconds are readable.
11,10
